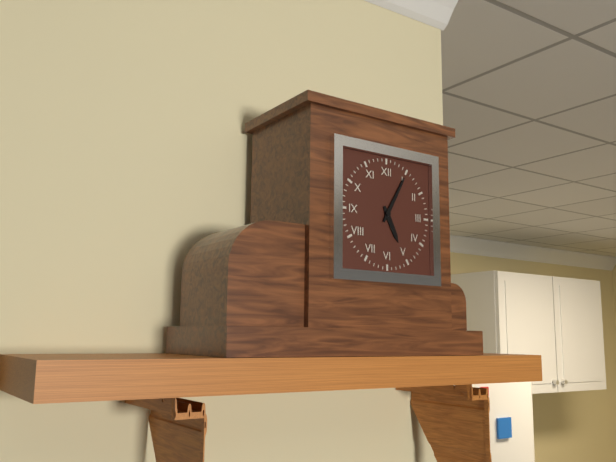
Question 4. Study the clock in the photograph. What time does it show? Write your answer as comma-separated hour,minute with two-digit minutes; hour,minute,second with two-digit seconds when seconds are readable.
5,05
